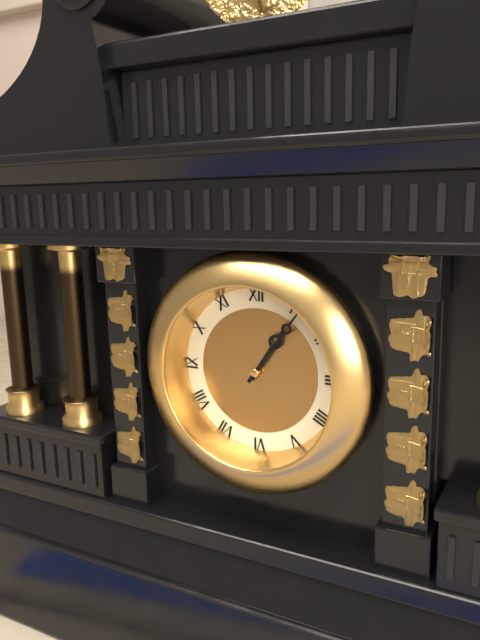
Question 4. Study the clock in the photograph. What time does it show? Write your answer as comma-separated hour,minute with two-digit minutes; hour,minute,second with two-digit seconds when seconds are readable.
1,06
